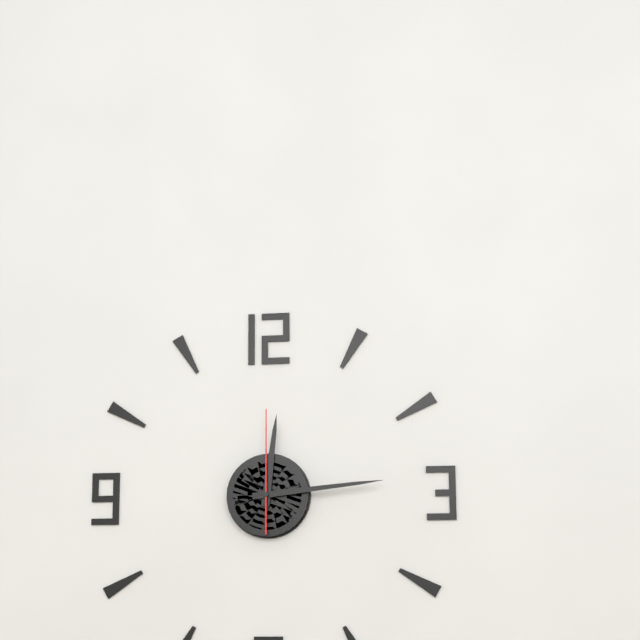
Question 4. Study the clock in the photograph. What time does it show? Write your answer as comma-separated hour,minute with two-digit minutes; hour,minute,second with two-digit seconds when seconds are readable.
12,14,00
